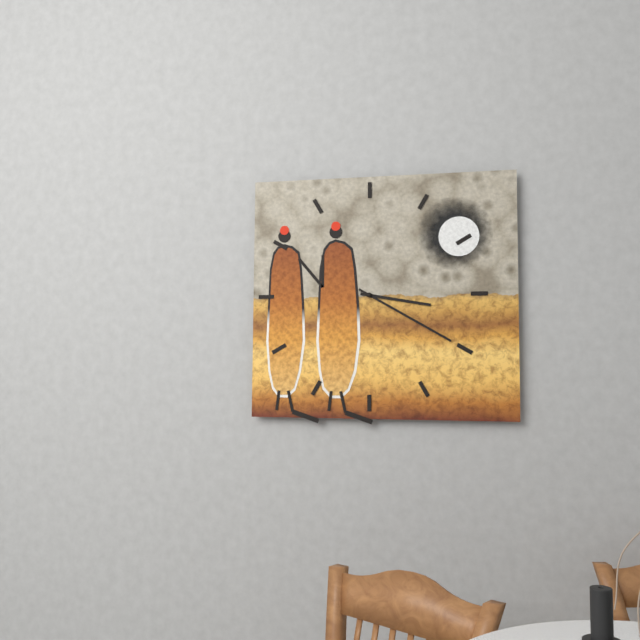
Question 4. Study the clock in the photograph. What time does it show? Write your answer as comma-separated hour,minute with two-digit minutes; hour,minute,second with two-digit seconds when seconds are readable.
3,20
